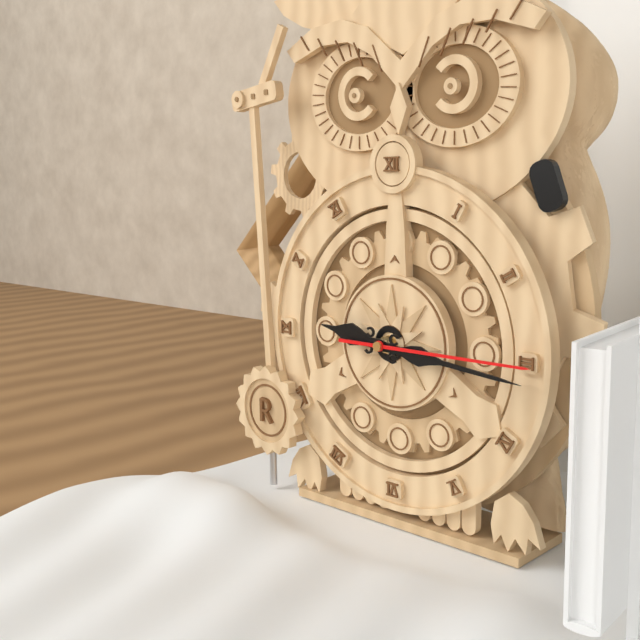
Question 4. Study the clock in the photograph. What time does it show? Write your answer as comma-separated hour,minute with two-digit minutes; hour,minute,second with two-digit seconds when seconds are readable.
9,16,15
